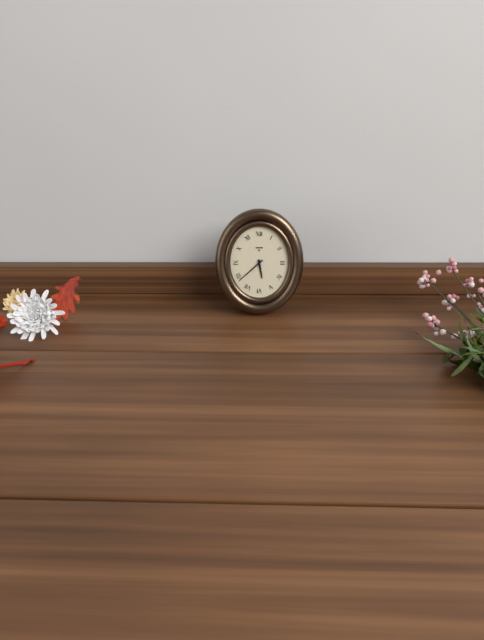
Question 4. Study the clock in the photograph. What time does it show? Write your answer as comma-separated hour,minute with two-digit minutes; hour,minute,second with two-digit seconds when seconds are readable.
5,38
